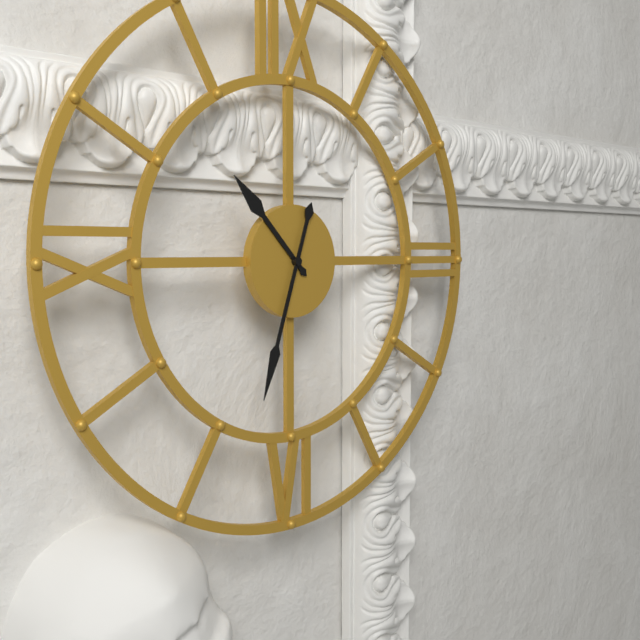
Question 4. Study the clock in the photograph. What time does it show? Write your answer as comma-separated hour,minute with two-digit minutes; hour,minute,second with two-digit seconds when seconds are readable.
10,33
